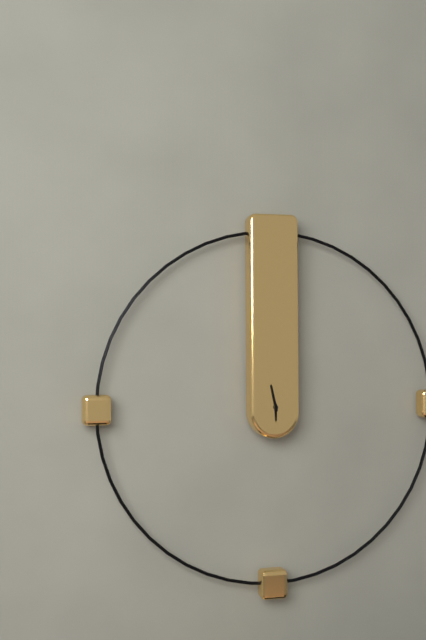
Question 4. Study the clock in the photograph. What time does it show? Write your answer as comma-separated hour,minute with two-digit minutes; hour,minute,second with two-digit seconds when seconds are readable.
5,58
